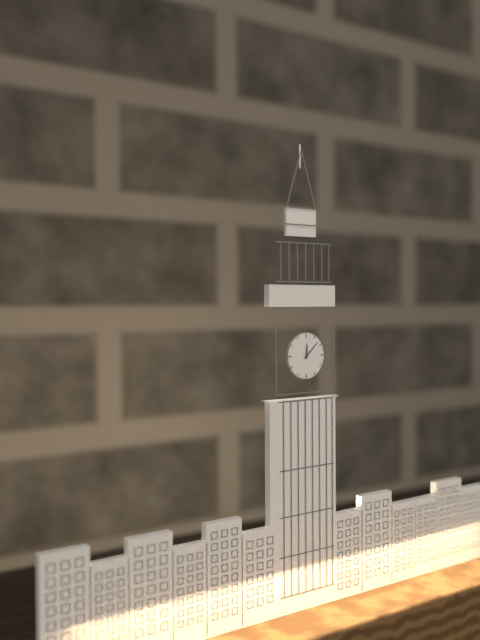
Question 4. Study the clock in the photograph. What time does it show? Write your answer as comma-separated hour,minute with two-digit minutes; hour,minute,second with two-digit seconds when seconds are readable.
12,08
